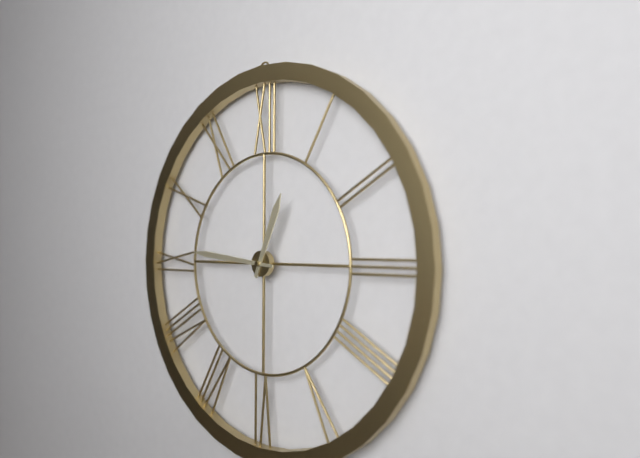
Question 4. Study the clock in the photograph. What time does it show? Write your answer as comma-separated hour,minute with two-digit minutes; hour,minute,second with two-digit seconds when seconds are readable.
12,46
